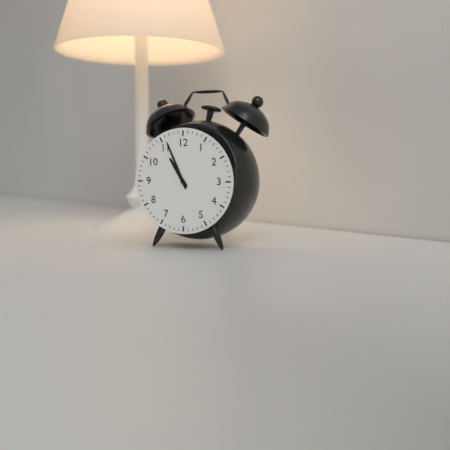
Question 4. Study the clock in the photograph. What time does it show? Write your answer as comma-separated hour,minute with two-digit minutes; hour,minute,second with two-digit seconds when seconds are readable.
10,56
